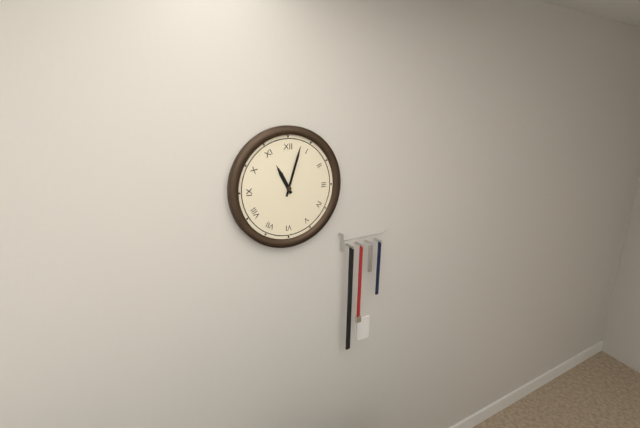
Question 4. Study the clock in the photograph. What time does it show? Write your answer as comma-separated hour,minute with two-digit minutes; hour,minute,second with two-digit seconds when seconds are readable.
11,03
